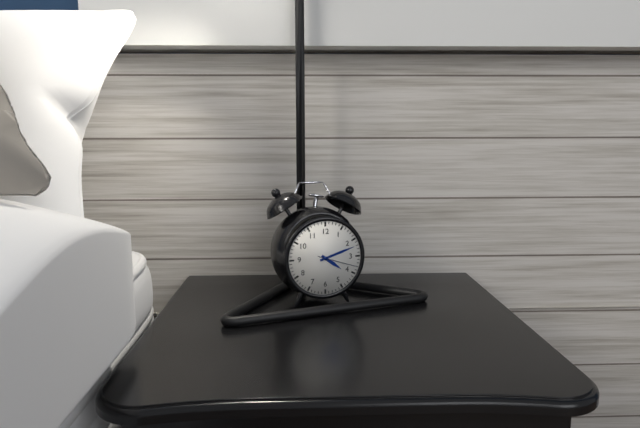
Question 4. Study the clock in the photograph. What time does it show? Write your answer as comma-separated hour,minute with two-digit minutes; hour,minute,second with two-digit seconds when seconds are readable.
4,12
